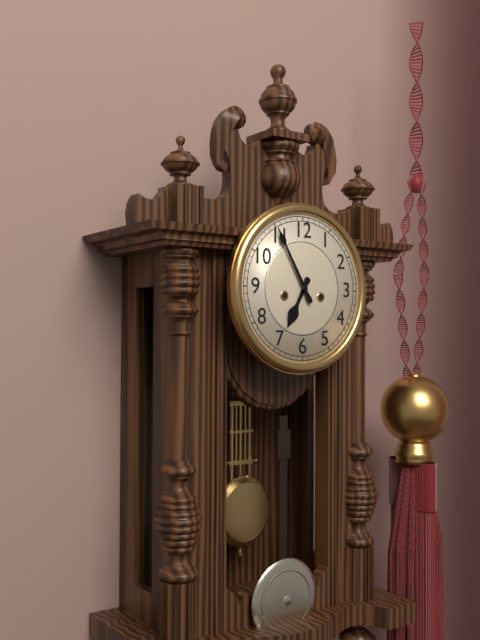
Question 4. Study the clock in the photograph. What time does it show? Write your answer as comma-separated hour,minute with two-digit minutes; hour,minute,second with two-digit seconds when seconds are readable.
6,55
